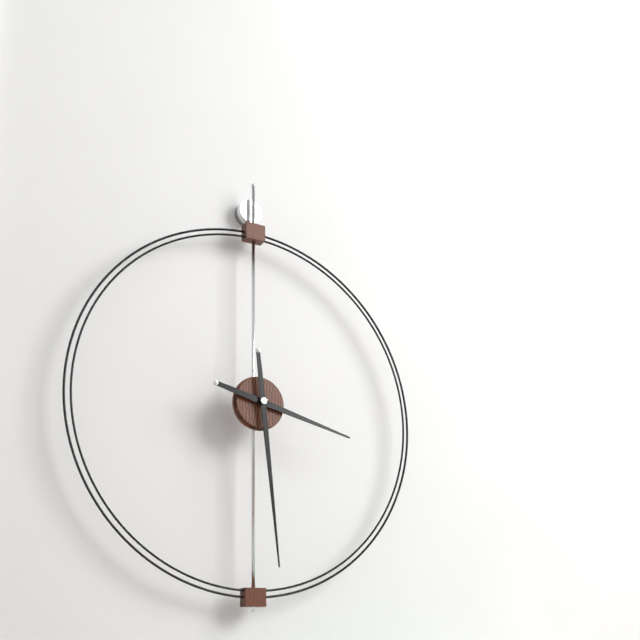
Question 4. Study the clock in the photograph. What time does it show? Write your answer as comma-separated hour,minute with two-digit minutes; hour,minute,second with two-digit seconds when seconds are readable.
3,29
